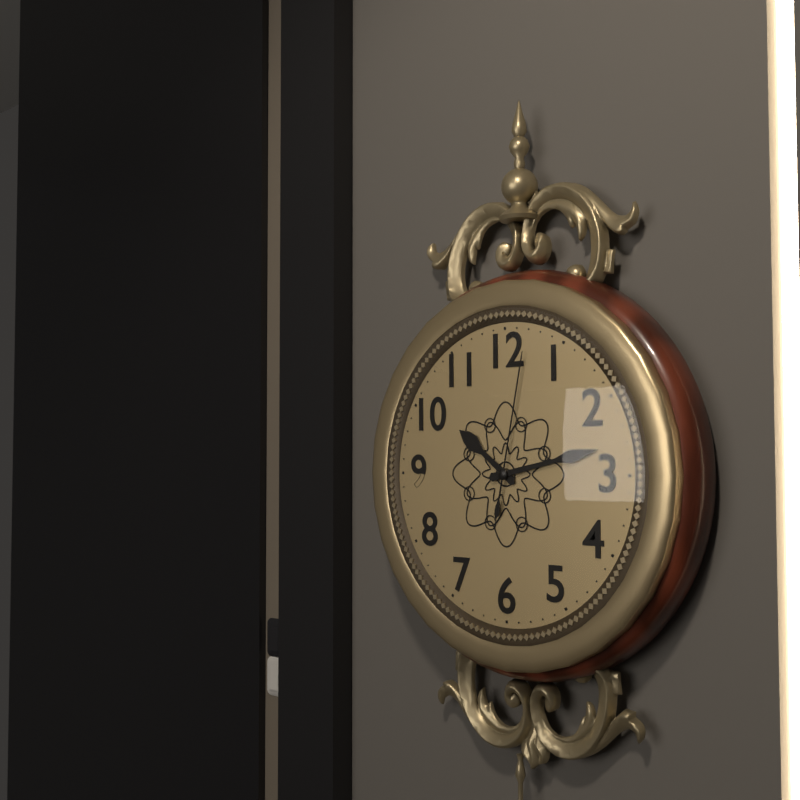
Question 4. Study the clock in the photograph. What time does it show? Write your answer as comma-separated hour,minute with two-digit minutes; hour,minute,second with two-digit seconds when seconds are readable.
10,13,02
